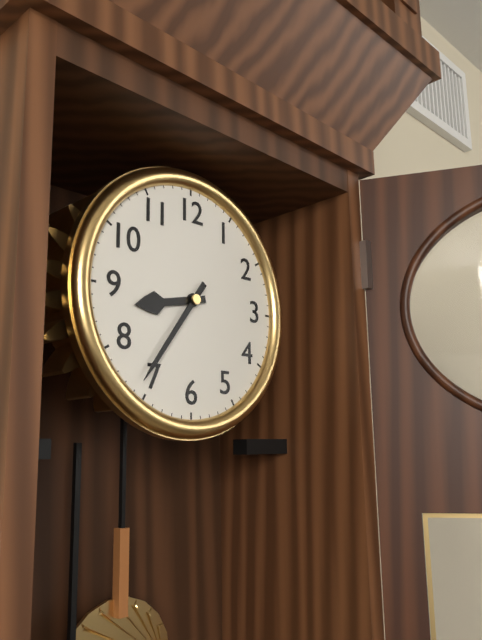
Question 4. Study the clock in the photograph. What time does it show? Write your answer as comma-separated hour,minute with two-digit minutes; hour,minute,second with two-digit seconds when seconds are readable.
8,36
